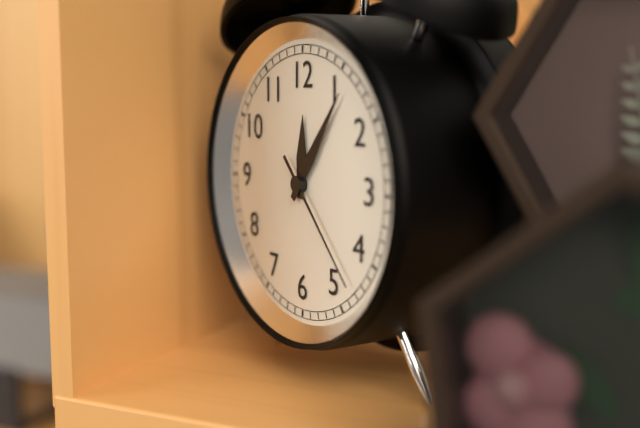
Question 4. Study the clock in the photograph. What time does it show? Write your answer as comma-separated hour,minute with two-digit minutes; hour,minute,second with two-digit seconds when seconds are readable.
12,06,23
